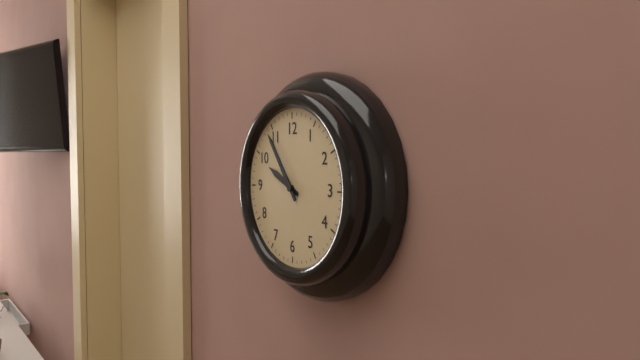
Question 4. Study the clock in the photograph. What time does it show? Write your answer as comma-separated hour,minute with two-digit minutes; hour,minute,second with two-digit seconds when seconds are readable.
9,54
